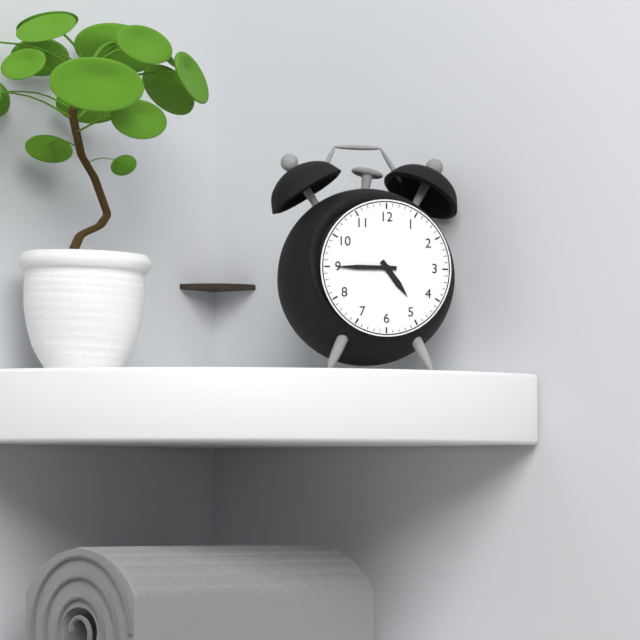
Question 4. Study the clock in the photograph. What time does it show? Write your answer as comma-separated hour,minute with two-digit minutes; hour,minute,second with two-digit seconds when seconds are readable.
4,45
